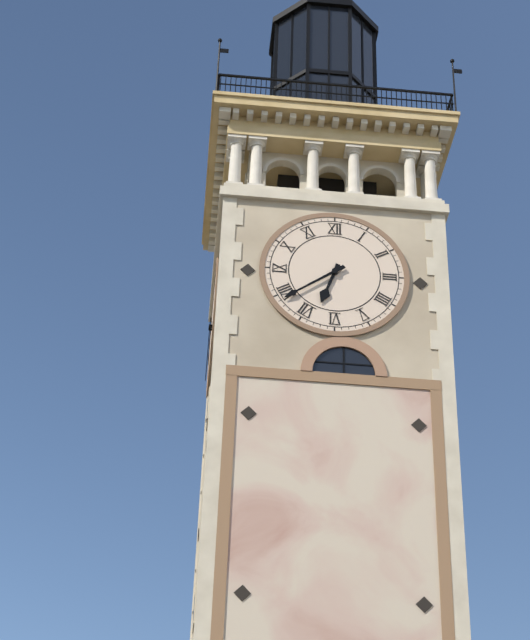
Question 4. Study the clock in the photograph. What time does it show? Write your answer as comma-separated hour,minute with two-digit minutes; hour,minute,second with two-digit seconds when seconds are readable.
6,39
